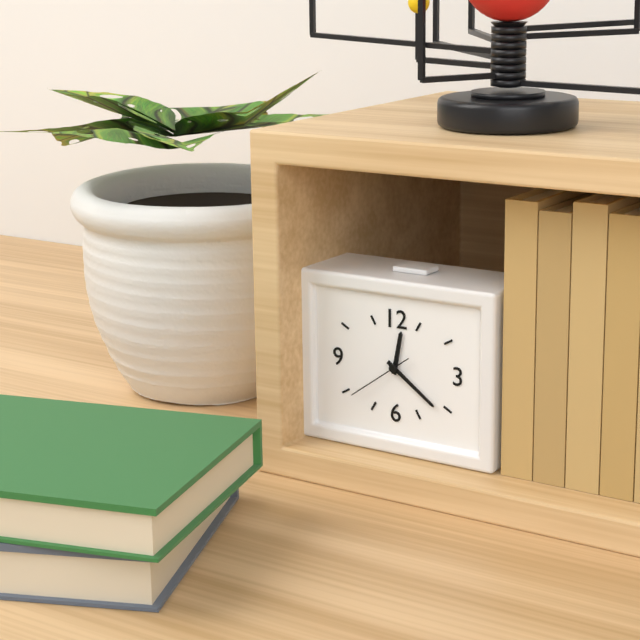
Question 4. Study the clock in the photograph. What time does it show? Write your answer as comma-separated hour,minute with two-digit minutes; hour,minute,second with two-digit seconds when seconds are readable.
12,21,39
